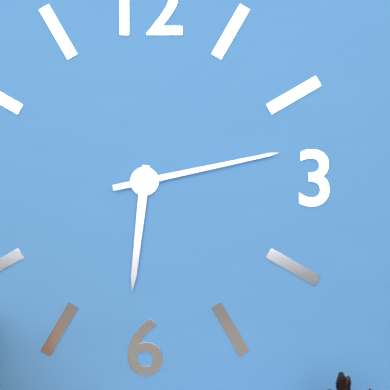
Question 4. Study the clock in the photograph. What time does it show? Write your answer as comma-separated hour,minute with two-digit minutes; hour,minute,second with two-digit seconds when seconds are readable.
6,13
